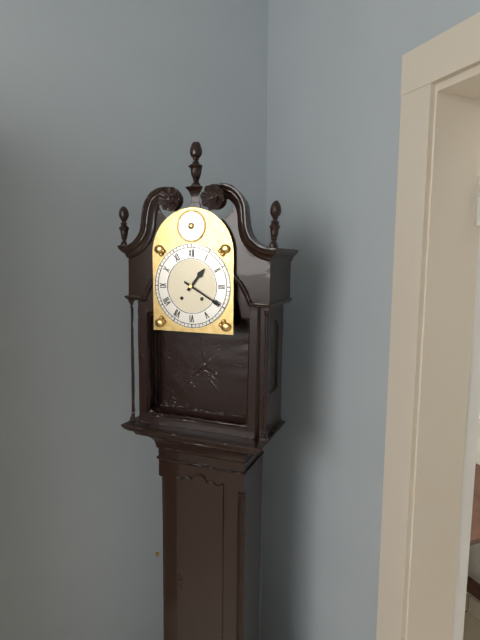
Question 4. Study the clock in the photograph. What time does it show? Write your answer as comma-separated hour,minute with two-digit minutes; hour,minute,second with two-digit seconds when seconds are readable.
1,20
